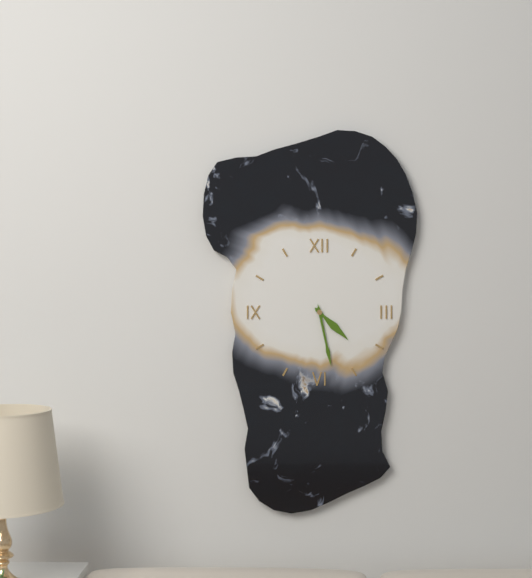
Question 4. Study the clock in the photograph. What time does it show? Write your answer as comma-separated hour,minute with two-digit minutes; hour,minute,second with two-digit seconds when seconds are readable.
4,28
